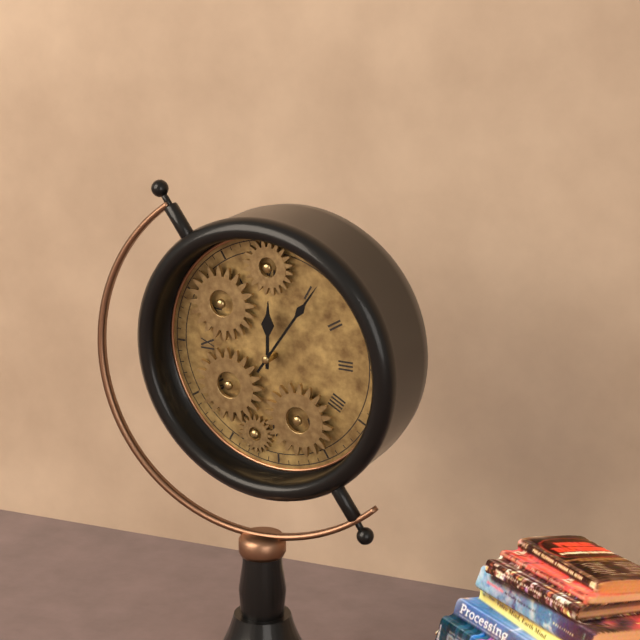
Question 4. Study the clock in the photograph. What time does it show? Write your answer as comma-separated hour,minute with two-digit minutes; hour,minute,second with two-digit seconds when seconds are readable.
12,06
